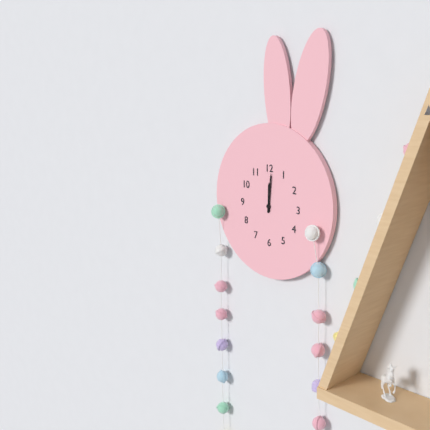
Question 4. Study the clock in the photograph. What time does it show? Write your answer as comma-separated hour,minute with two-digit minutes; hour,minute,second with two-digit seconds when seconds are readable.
12,01
